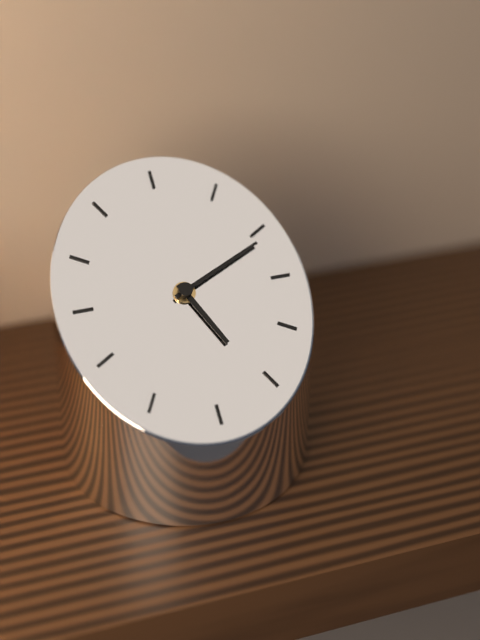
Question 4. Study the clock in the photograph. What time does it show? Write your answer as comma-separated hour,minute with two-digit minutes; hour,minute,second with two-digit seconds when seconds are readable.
5,11
